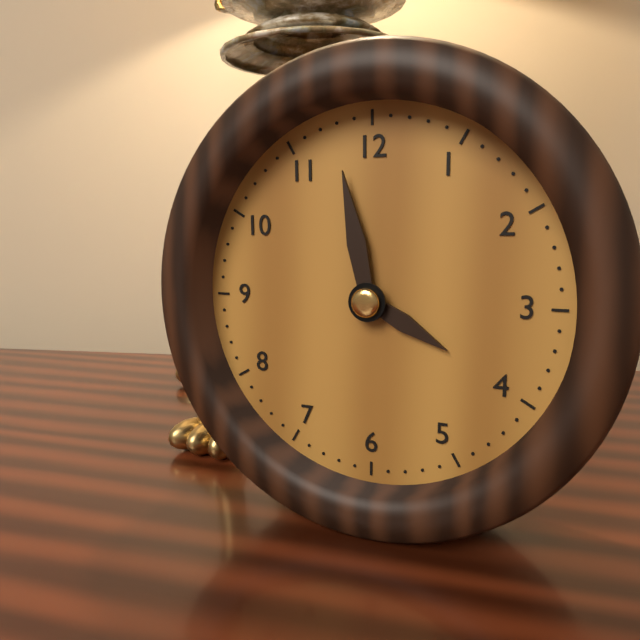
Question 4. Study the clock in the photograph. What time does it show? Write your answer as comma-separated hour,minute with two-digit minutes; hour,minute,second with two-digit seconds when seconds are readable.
3,58
